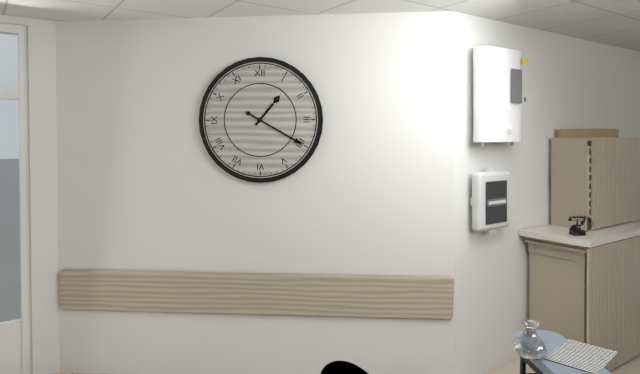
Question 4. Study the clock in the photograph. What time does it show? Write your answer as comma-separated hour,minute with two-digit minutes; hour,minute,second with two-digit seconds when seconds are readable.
1,20
